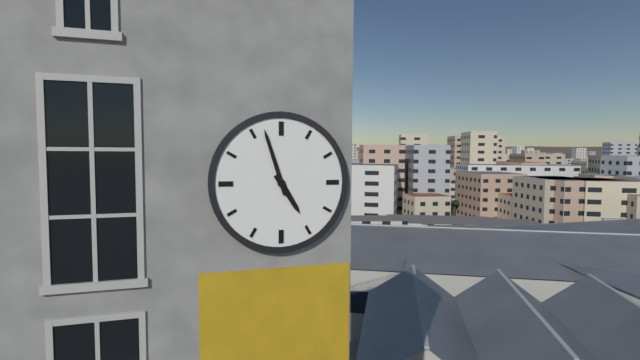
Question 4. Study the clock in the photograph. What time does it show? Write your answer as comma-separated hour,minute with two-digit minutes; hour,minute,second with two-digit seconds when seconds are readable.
4,57
